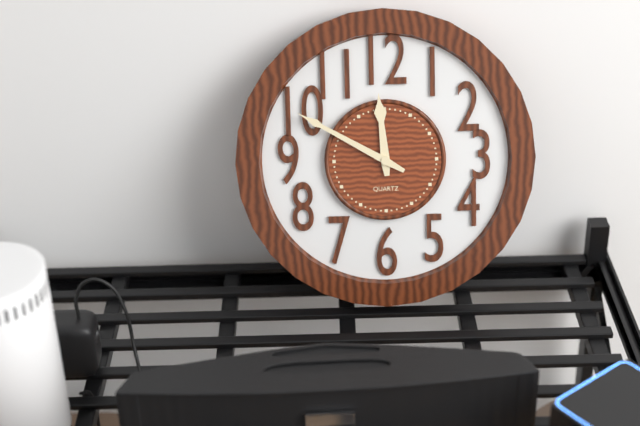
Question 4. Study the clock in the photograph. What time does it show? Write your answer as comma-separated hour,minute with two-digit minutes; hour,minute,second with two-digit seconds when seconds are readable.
11,50
